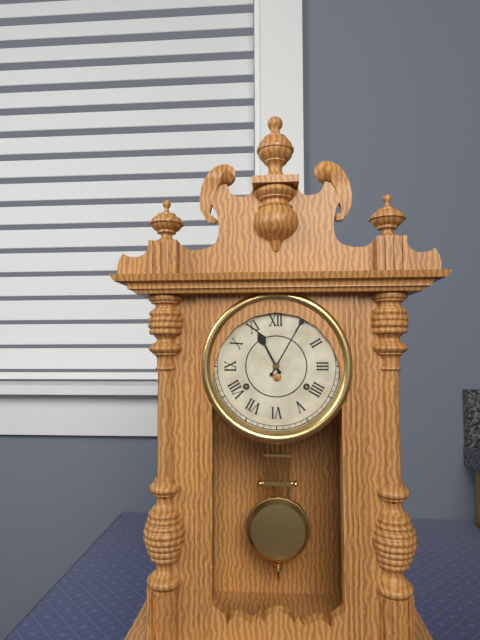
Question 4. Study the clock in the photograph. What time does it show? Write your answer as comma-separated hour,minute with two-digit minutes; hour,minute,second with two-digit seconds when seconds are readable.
11,05
